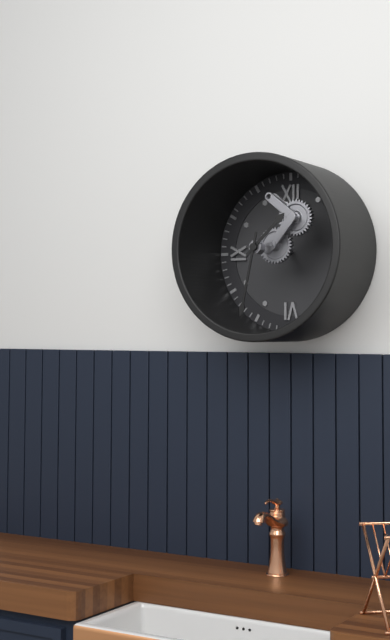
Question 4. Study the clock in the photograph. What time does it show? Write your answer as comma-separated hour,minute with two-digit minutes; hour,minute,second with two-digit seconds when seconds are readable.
1,32
